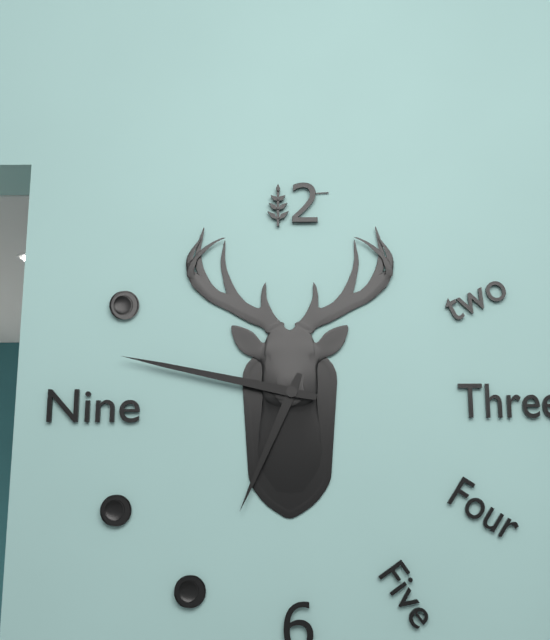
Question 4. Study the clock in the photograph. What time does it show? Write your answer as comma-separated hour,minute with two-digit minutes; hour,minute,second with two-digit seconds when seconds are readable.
6,47
